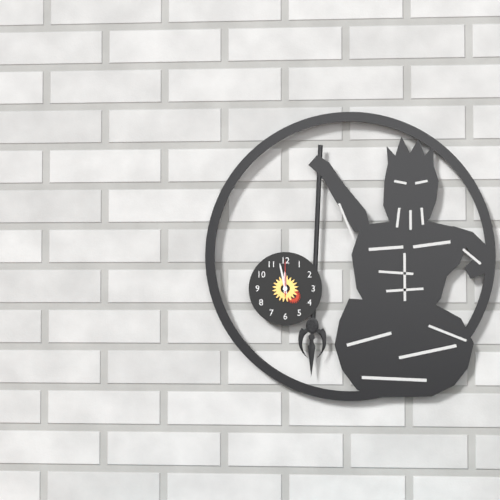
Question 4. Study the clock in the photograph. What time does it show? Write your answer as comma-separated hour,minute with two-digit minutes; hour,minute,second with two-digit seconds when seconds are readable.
11,58
